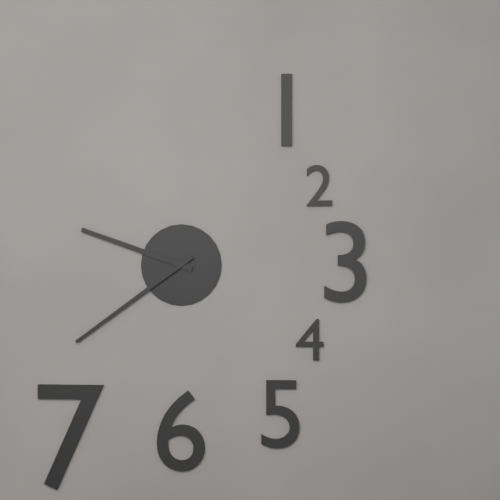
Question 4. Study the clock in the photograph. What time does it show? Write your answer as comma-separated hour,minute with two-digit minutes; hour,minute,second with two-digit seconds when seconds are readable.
9,39
